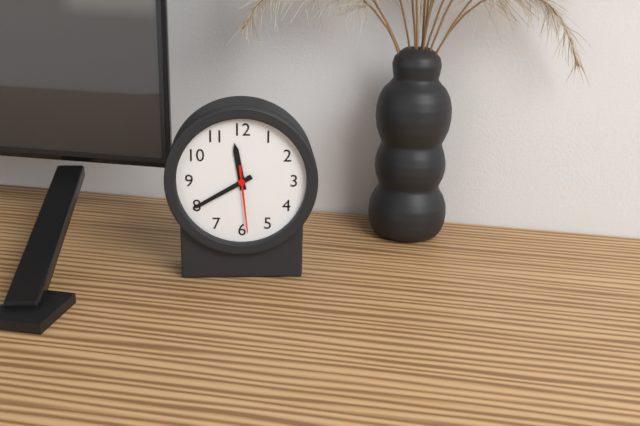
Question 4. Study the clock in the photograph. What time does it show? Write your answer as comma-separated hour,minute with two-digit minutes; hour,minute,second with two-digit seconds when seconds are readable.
11,40,29
